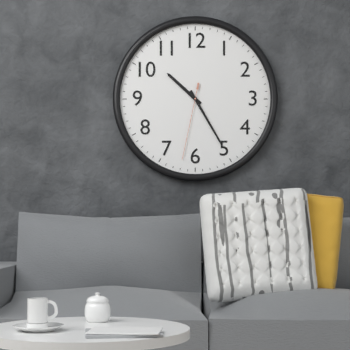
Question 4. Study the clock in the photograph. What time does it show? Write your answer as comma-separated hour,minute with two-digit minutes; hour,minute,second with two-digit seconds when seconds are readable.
10,25,32
